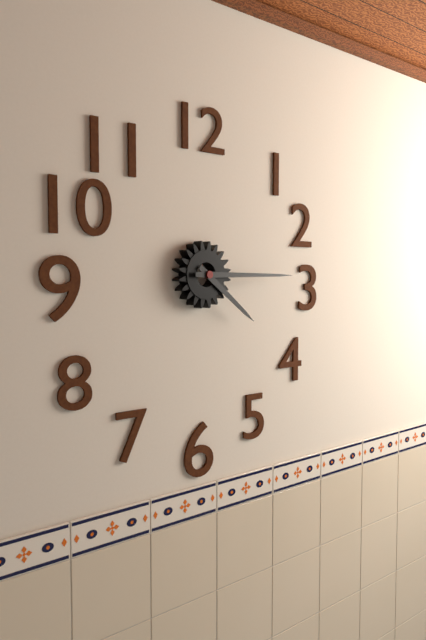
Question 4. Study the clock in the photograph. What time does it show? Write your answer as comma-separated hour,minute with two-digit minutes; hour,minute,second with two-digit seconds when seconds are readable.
4,15
